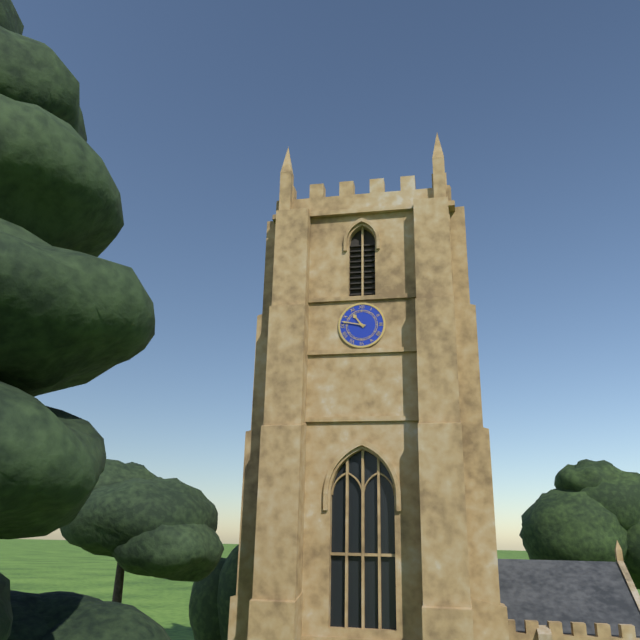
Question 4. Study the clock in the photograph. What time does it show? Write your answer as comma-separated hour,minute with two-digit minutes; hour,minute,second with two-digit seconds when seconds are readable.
10,47
